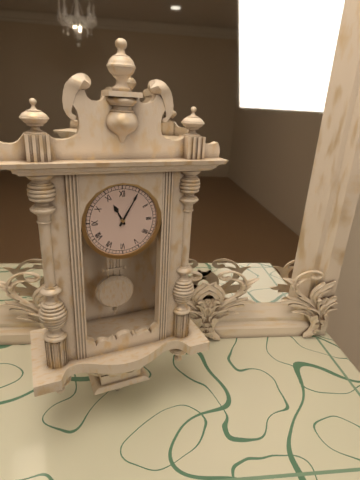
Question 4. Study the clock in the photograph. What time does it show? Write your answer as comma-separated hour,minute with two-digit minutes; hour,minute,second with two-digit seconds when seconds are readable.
11,05
